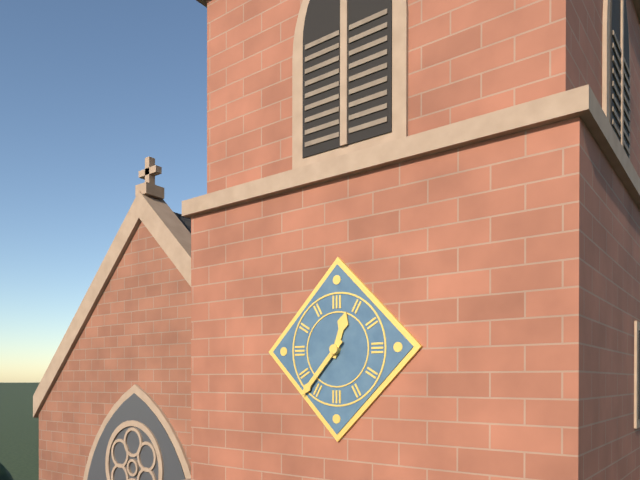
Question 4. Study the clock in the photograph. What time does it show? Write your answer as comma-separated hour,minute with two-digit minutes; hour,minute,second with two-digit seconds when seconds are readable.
12,37
